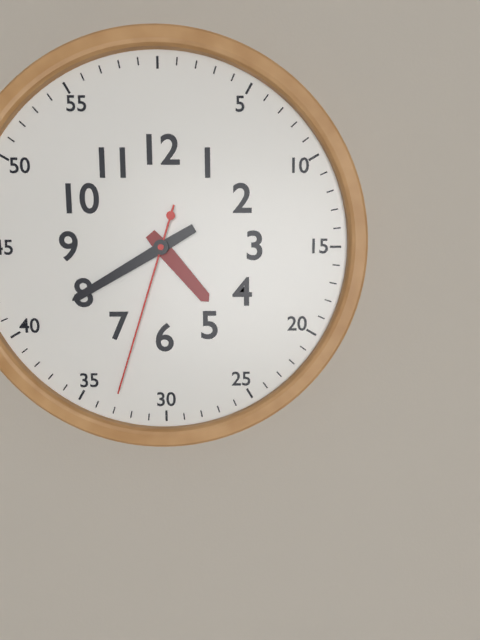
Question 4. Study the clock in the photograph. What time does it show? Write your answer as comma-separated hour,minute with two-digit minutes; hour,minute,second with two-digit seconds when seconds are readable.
4,40,33
